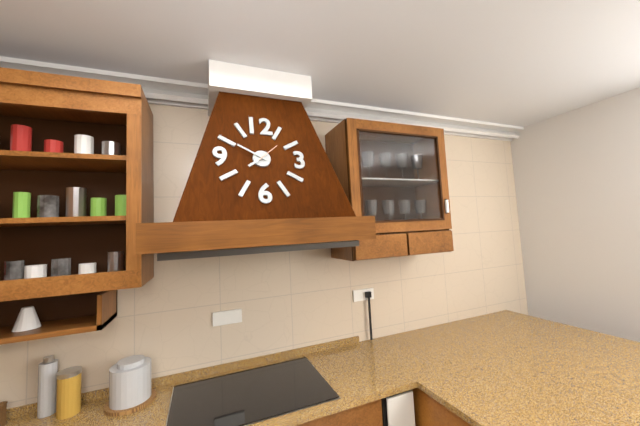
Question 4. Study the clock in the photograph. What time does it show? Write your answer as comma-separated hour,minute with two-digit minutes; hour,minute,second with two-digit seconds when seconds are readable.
7,50
